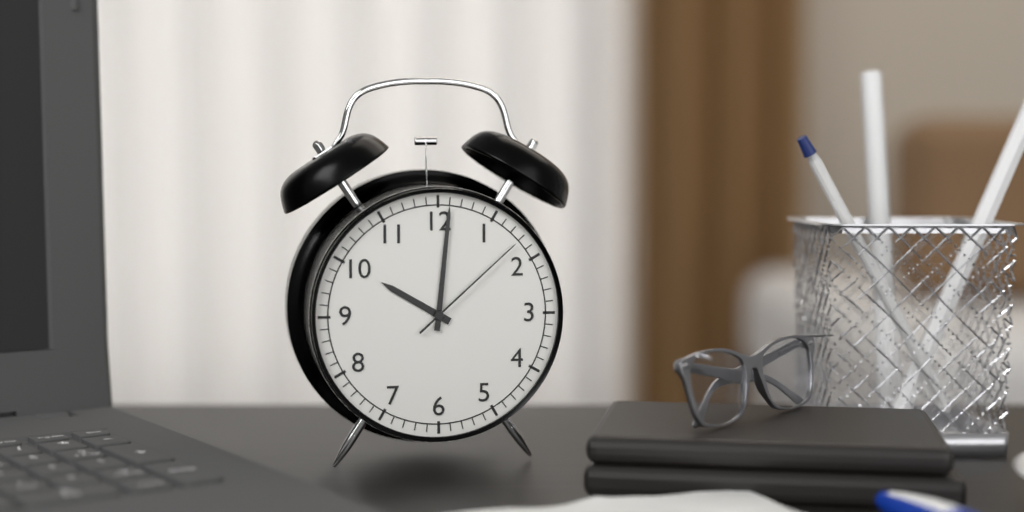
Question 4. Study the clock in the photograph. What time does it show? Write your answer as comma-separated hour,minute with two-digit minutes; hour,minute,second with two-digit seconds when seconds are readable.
10,01,08
